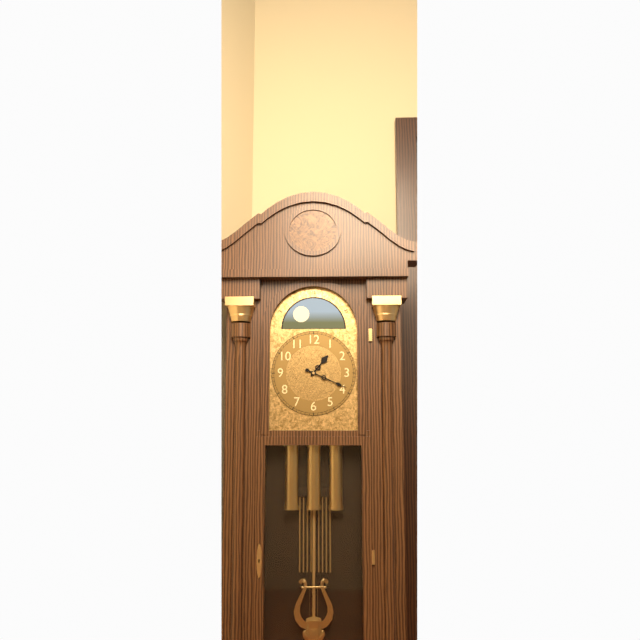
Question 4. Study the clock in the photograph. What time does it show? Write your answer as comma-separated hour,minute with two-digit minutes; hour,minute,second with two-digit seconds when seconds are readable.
1,19
